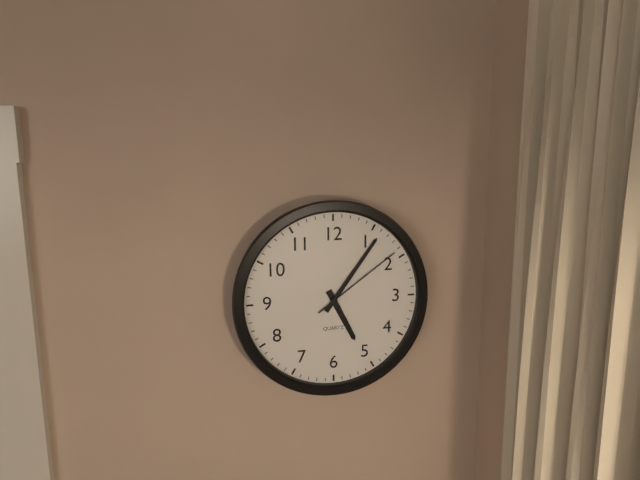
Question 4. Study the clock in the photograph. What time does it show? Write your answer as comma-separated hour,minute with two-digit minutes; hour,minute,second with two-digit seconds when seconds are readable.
5,06,09
